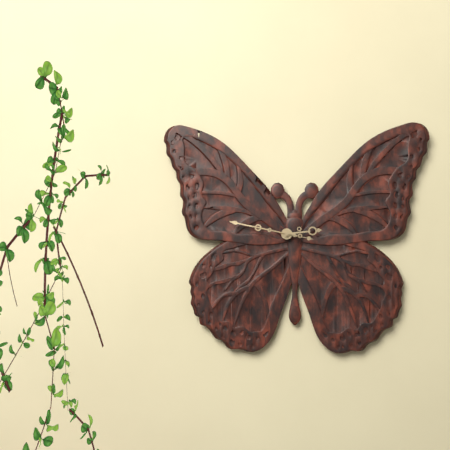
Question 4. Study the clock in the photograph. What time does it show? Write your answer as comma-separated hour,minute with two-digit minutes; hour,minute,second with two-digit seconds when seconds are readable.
2,47
